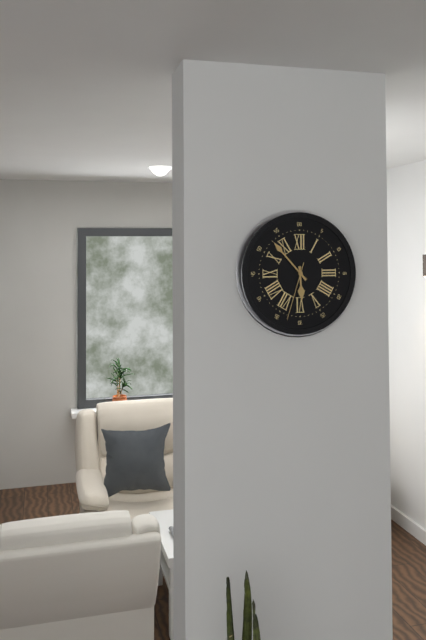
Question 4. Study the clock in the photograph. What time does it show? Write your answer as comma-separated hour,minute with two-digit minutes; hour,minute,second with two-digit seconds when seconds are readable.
5,53,33
